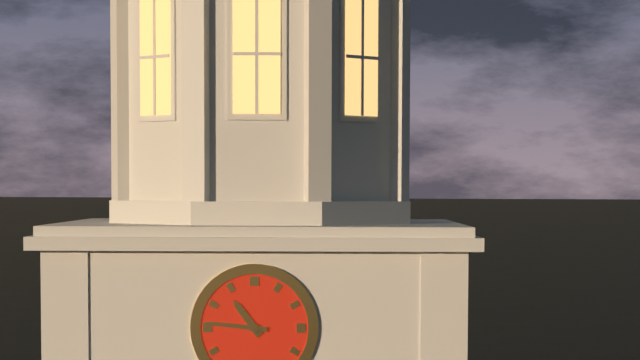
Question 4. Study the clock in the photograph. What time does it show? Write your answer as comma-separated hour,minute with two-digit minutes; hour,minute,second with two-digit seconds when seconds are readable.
10,46
